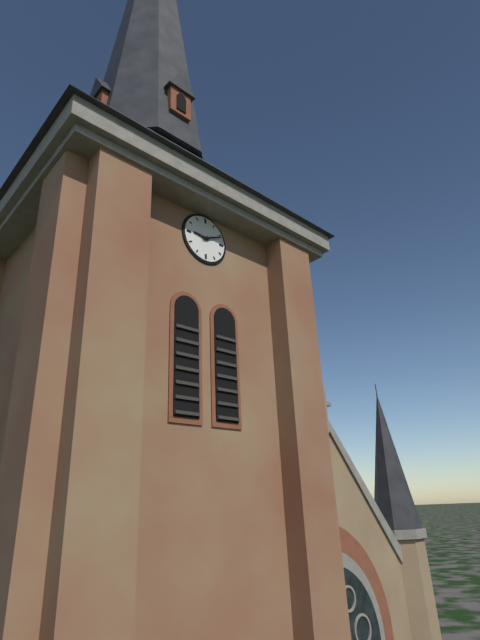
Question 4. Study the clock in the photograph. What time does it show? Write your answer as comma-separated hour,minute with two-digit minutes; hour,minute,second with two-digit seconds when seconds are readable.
9,11
